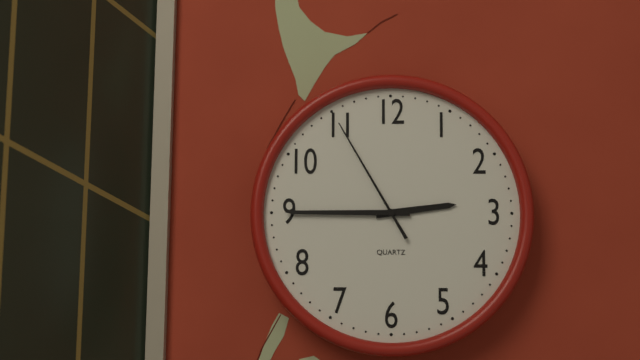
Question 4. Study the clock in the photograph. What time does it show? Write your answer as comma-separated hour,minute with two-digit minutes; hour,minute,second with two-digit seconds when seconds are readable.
2,45,55
